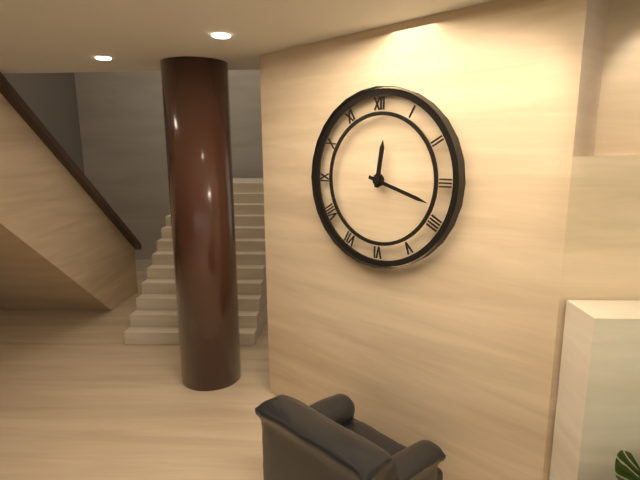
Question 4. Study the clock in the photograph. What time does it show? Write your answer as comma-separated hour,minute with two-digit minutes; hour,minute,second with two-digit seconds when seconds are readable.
12,18
